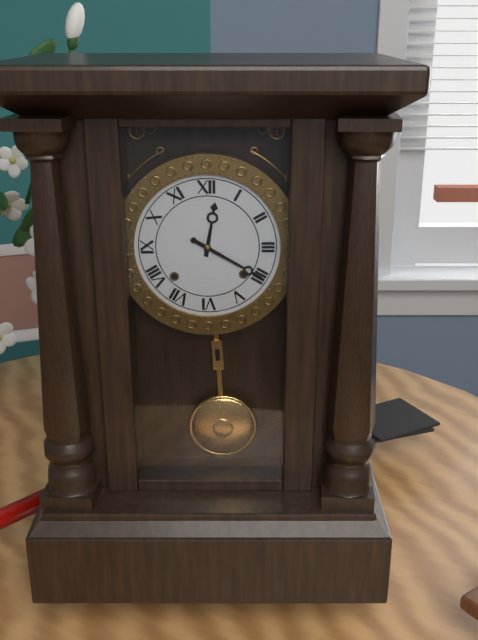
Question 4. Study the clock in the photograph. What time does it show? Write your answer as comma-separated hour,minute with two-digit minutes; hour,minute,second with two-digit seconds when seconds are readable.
12,20
